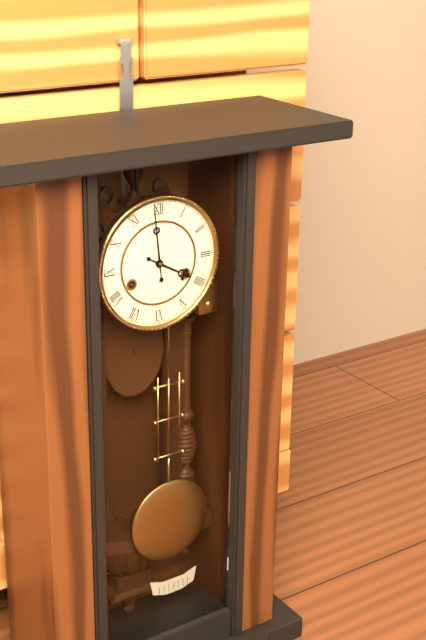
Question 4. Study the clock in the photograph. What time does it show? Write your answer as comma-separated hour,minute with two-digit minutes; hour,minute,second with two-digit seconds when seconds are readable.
3,59
